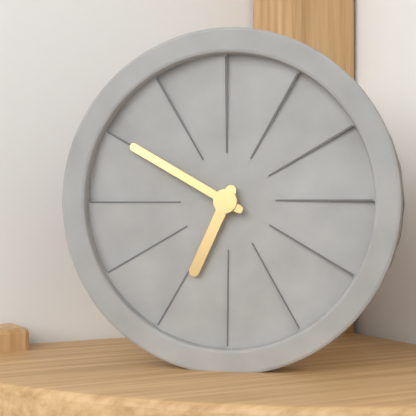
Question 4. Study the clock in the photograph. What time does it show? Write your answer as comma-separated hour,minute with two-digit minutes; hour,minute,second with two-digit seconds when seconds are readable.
6,50
